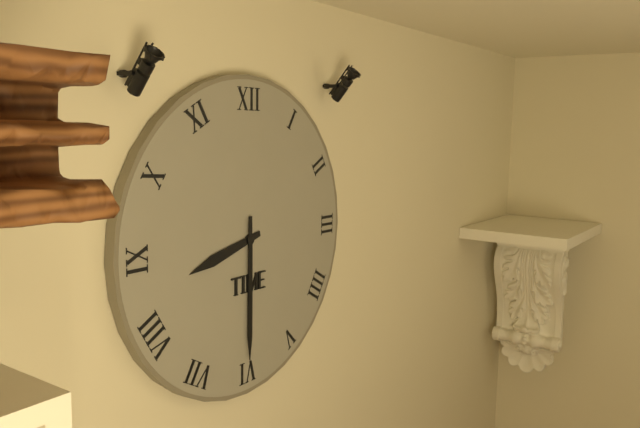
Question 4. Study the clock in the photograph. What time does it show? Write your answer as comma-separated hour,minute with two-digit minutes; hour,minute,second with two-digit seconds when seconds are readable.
8,30
